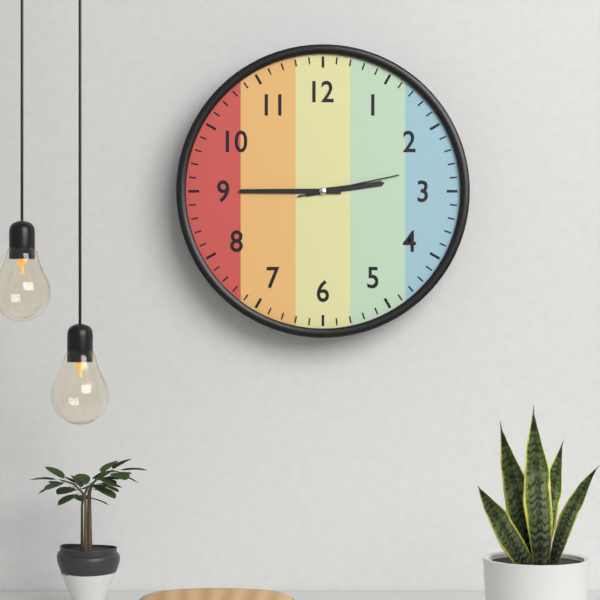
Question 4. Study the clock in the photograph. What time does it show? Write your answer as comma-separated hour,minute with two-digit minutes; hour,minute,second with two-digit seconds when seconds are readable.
2,45,13
